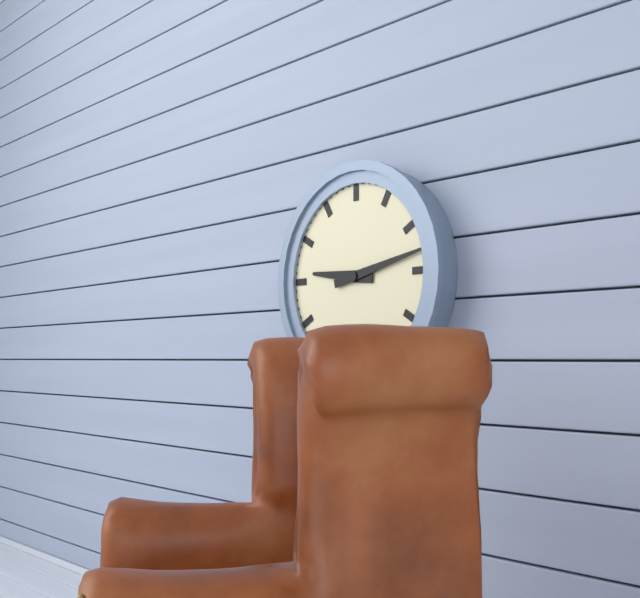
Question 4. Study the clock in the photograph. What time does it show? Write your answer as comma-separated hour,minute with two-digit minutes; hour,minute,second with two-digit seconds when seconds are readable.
9,13
